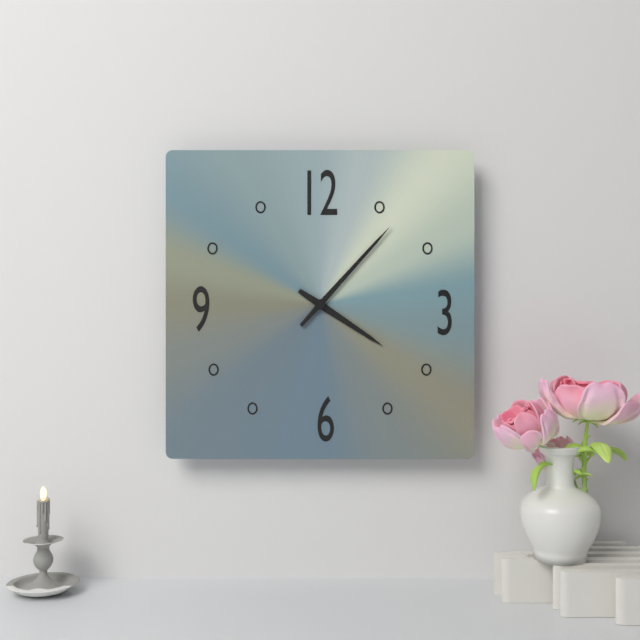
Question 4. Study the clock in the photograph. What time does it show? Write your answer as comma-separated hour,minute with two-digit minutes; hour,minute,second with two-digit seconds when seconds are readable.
4,07
